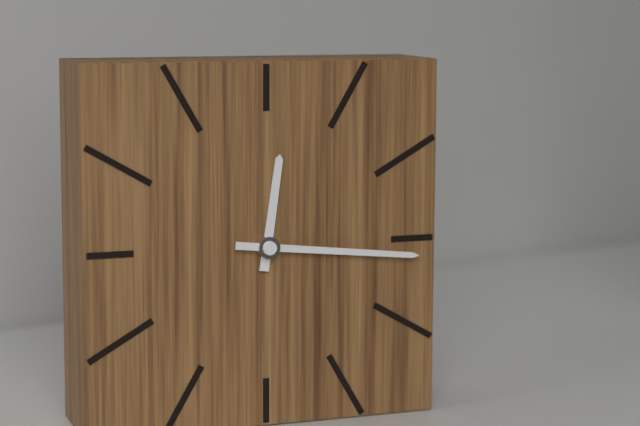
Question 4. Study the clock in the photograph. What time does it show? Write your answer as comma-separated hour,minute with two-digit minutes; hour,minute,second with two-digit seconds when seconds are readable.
12,16
